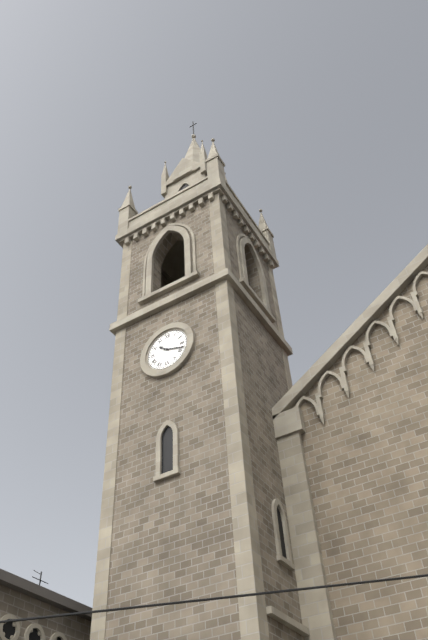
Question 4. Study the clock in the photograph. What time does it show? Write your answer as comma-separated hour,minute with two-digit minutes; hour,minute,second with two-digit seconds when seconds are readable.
10,18
